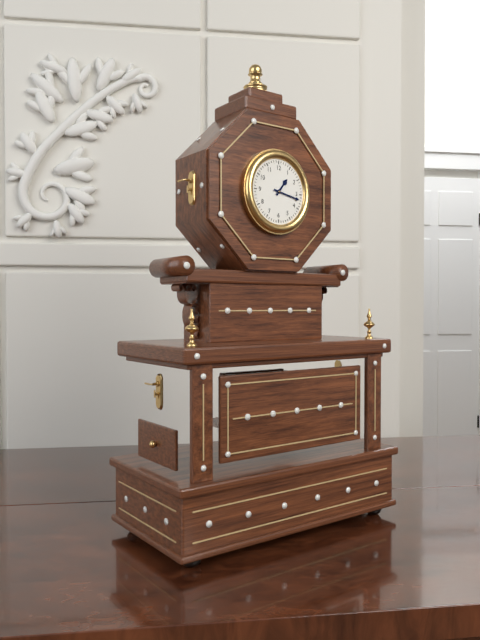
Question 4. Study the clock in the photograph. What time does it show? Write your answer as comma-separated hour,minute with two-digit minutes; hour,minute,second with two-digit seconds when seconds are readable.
1,17
